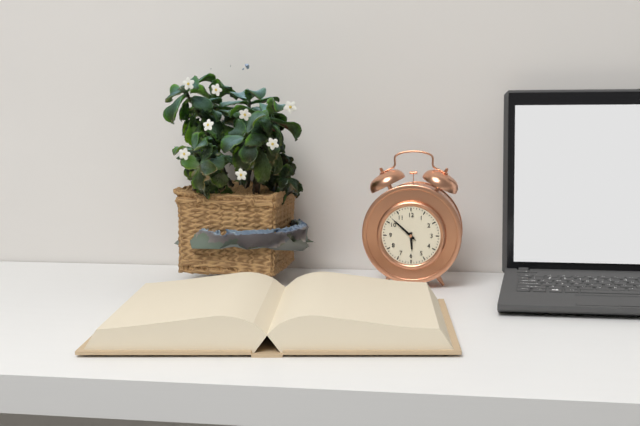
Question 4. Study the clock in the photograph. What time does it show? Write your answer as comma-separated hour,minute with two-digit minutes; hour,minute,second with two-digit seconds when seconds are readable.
5,52
